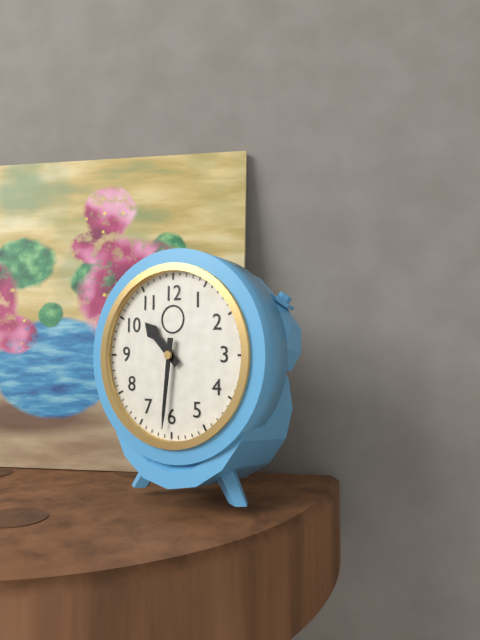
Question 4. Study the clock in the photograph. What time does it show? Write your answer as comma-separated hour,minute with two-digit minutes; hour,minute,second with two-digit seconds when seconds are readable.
10,31
